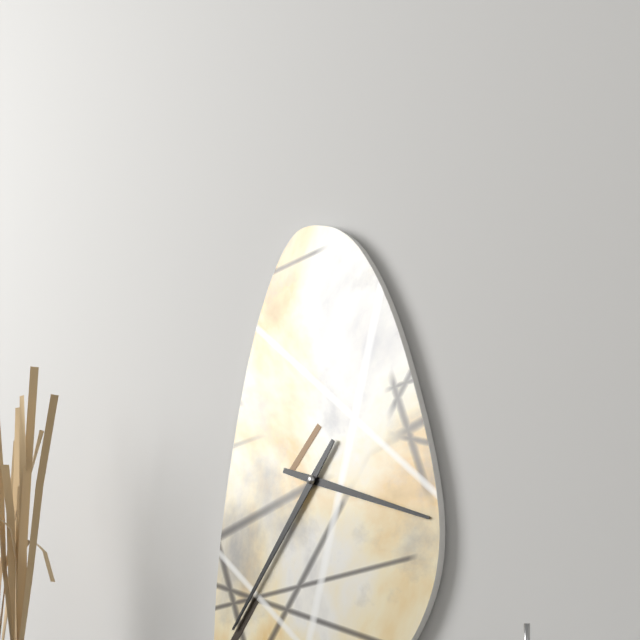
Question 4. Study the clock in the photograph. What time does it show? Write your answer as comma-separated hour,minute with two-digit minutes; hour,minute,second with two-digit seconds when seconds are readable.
3,36
